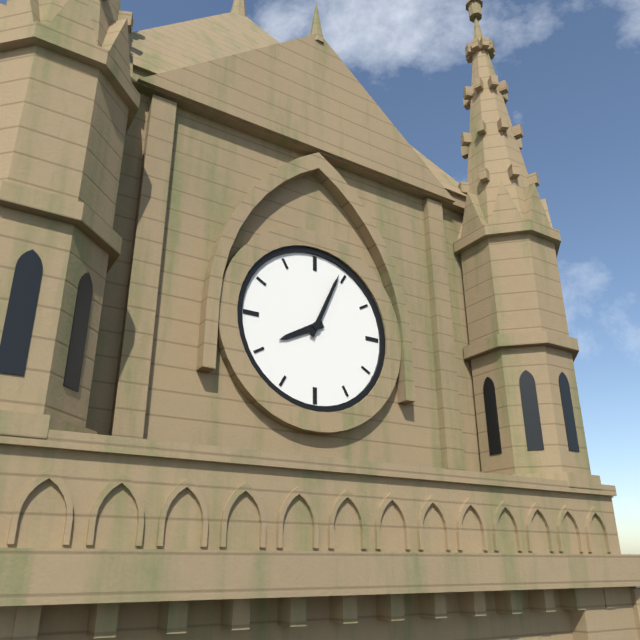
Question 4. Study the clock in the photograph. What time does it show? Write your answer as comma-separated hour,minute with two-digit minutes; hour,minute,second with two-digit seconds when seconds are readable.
8,04
